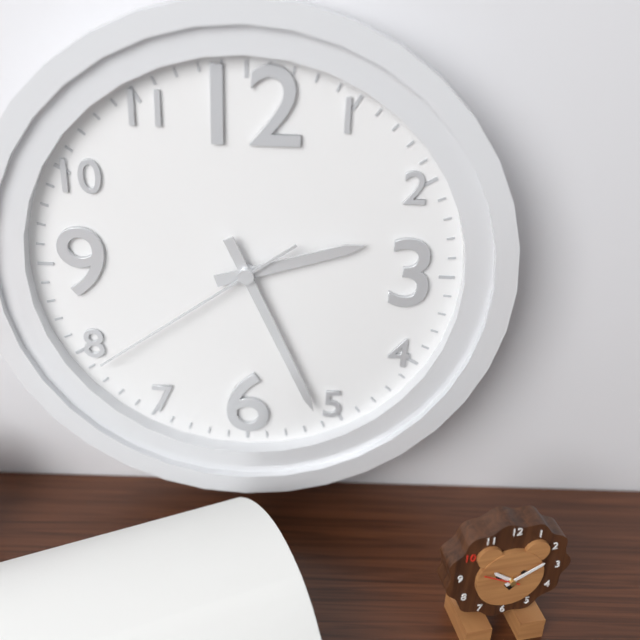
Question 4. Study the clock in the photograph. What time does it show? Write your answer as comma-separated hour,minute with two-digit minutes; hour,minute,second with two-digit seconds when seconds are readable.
2,26,39
